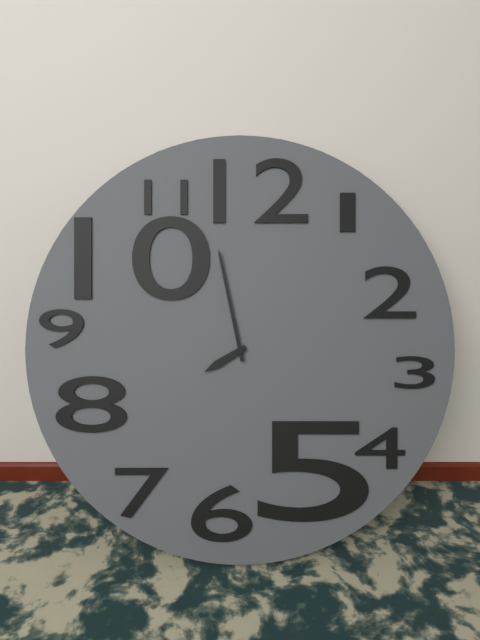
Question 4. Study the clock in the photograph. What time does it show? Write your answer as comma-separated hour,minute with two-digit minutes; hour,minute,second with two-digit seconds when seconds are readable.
7,58
